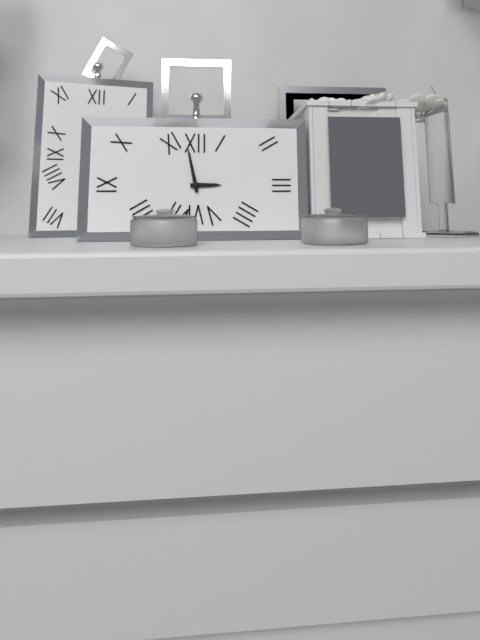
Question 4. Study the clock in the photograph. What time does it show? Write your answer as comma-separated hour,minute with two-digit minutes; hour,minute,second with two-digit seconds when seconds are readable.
2,58
